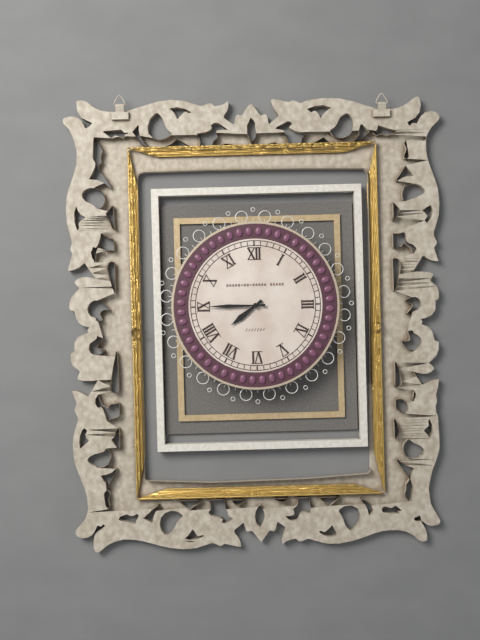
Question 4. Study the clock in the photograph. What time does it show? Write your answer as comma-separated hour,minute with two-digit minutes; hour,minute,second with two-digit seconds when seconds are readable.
7,45
